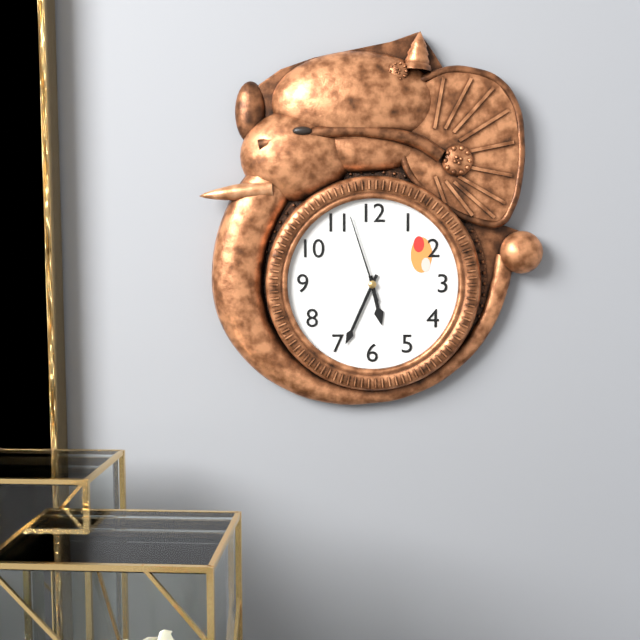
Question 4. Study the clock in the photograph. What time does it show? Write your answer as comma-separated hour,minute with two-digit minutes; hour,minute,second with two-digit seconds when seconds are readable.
5,34,57
